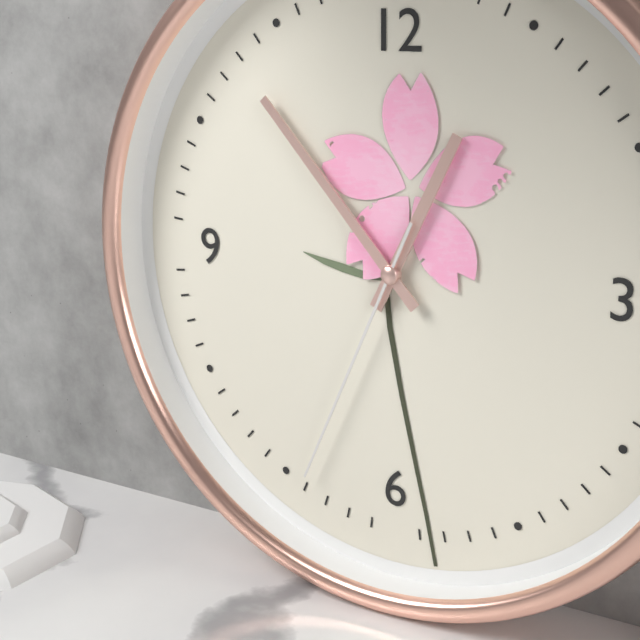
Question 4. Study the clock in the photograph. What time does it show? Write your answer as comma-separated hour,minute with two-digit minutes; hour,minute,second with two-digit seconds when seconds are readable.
12,53,34
